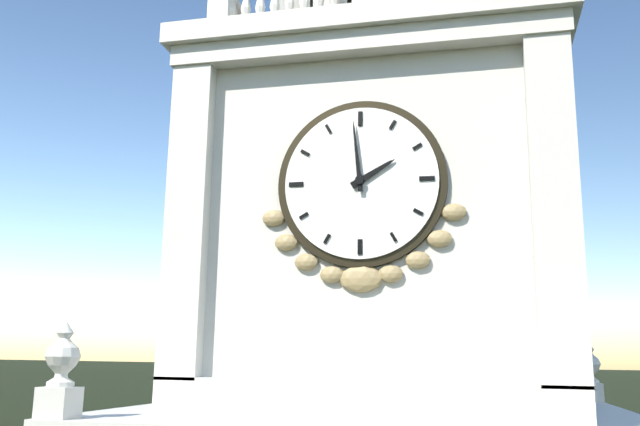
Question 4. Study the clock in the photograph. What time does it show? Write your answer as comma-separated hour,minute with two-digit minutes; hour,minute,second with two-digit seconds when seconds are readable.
1,59
